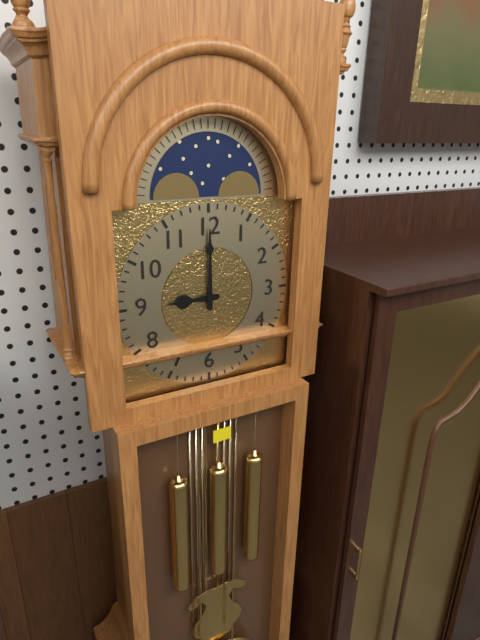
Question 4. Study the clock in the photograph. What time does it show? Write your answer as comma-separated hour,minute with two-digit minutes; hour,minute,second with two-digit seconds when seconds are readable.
9,00
